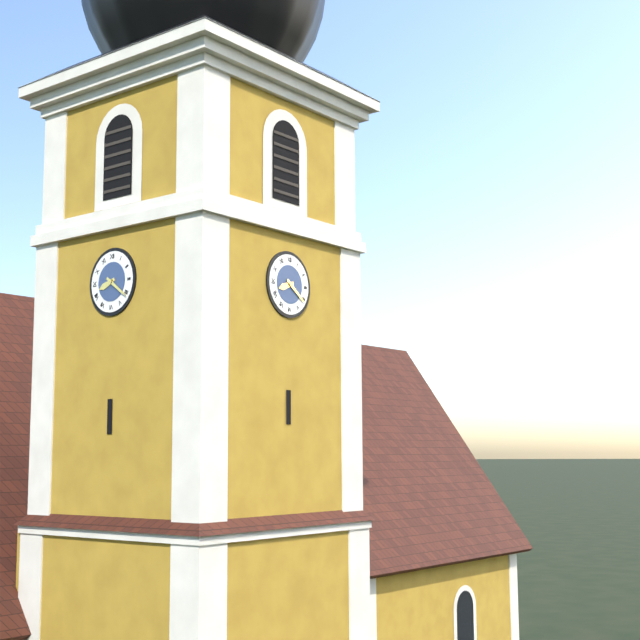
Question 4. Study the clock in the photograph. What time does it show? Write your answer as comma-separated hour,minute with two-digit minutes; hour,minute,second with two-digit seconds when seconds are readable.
8,21
